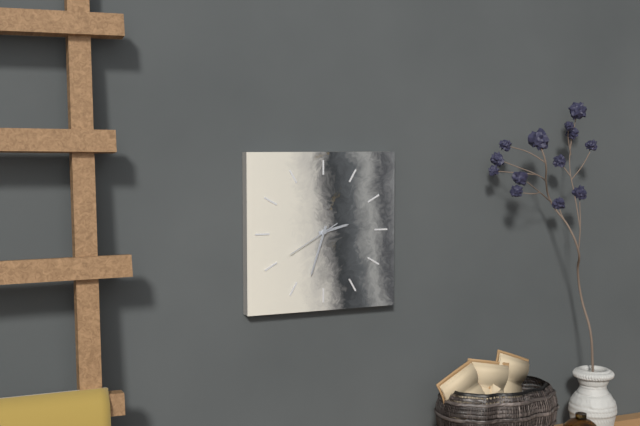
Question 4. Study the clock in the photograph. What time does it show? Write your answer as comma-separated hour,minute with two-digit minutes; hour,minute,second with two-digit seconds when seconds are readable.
2,33,40
